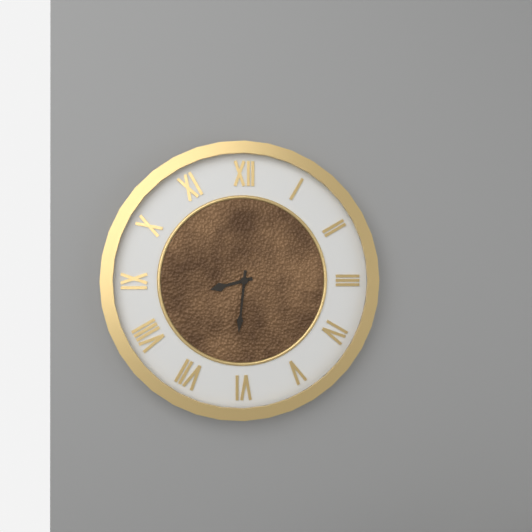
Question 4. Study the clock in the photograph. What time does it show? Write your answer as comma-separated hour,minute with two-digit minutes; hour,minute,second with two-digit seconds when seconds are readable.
8,31
